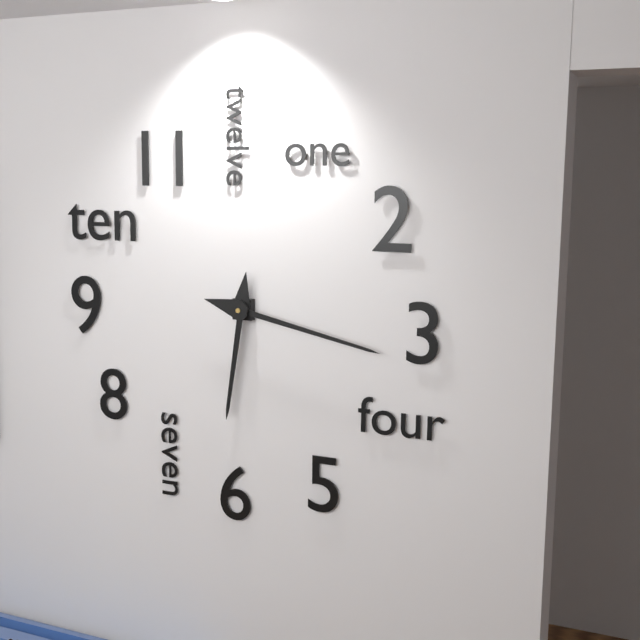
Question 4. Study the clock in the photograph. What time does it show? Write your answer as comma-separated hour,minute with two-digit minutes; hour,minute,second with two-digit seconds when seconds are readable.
6,17
